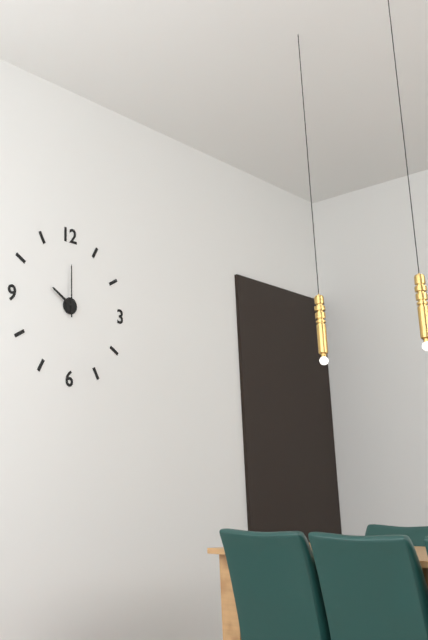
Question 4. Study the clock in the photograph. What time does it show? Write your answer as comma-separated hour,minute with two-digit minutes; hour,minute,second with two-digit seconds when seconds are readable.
10,00
